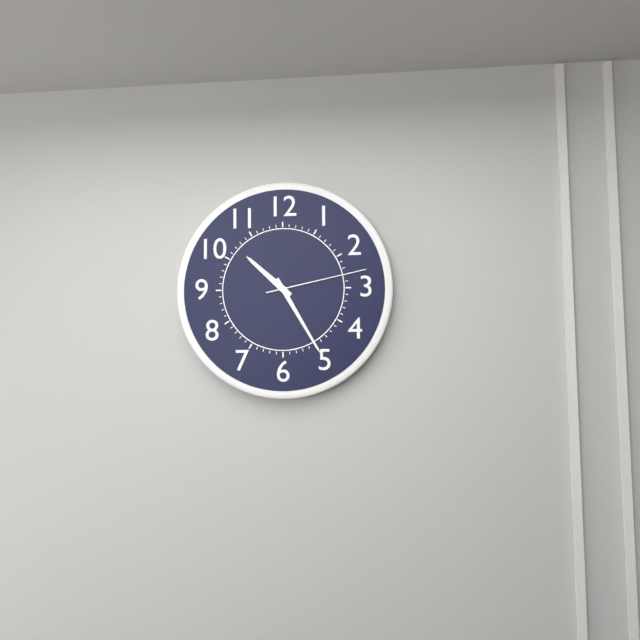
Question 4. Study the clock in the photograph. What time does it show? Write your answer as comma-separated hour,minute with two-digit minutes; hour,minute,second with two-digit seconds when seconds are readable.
10,25,13
